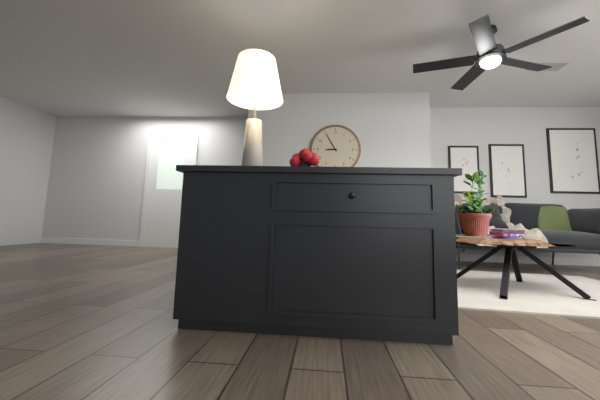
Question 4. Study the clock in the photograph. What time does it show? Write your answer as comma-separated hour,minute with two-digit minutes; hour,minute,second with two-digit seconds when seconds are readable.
8,55
